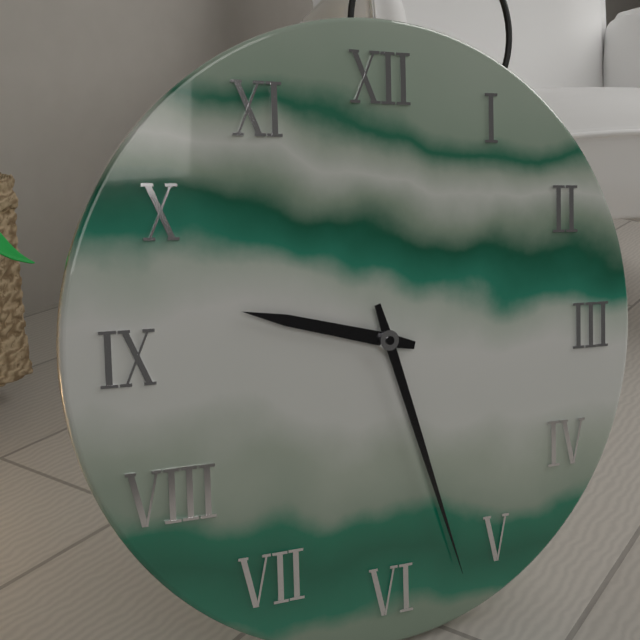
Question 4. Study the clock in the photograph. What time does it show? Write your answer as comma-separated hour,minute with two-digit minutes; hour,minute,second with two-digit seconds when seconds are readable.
9,27
